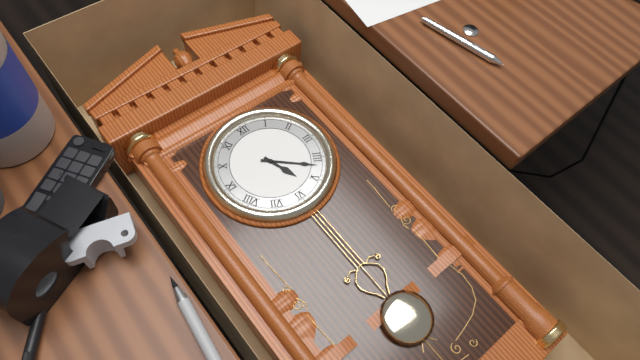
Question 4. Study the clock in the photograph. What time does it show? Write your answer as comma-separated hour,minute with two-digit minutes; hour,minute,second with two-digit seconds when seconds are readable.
5,22
